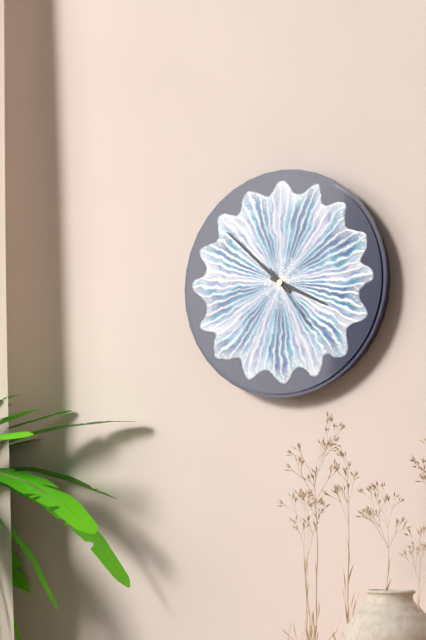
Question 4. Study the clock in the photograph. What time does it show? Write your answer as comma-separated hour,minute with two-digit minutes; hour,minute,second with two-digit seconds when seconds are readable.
3,52,24
